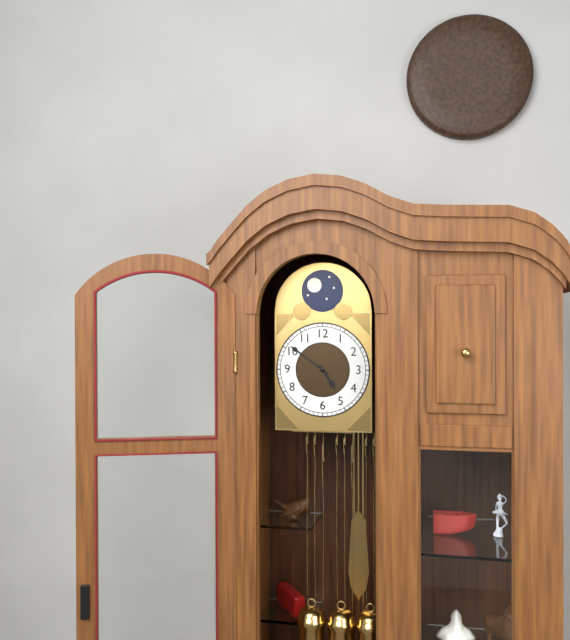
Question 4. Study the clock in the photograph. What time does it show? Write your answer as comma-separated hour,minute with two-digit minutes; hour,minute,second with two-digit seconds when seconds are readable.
4,51
